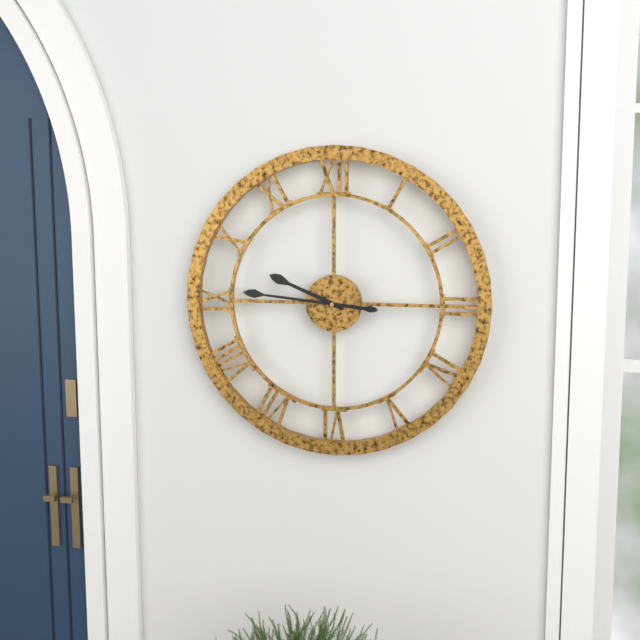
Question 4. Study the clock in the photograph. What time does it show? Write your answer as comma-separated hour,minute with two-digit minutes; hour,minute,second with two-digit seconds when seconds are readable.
9,46
